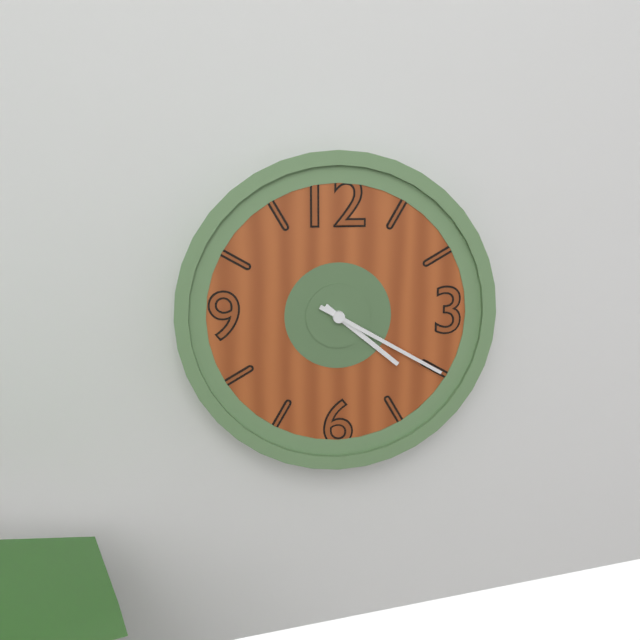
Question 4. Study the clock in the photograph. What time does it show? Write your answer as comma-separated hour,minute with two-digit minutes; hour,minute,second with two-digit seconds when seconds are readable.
4,20
